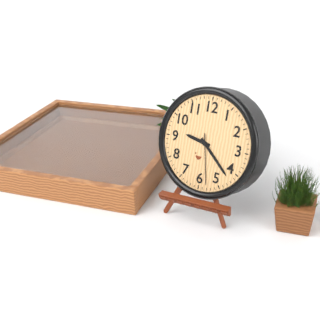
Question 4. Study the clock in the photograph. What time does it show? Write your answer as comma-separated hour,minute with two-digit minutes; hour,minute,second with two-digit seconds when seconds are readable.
9,22,28
